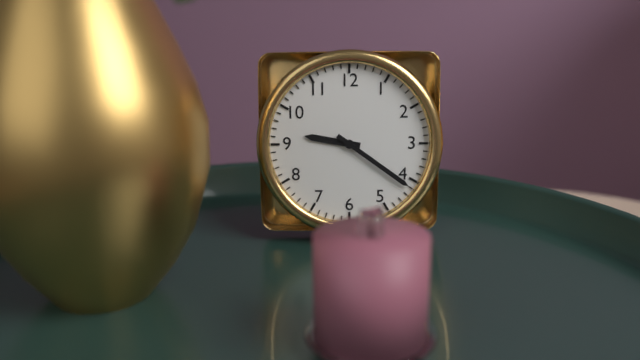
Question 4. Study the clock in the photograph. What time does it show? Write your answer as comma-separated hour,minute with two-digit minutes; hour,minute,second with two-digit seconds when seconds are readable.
9,21
